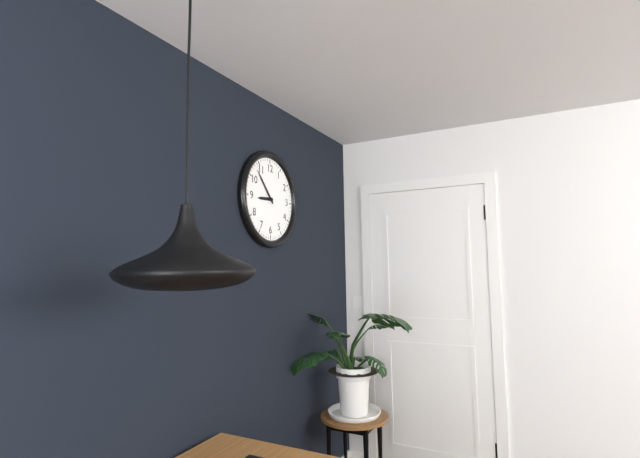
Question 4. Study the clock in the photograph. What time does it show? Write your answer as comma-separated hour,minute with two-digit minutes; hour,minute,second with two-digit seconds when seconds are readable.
8,53
